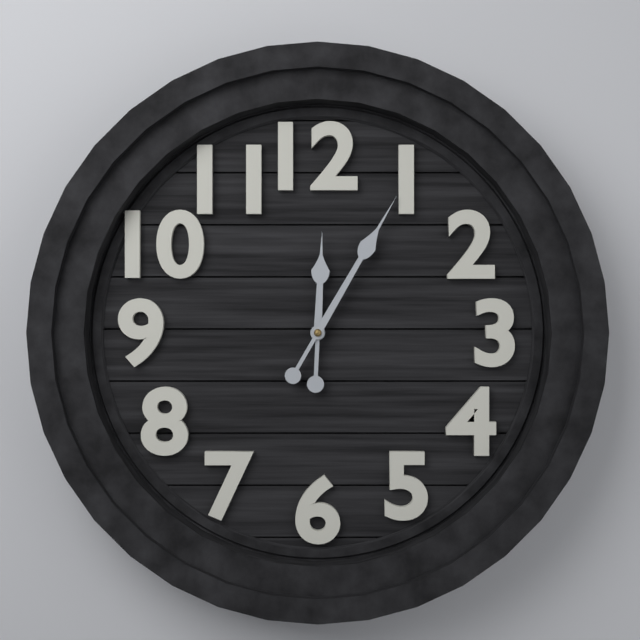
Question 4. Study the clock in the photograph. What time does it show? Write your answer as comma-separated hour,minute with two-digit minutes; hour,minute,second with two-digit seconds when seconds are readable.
12,05
